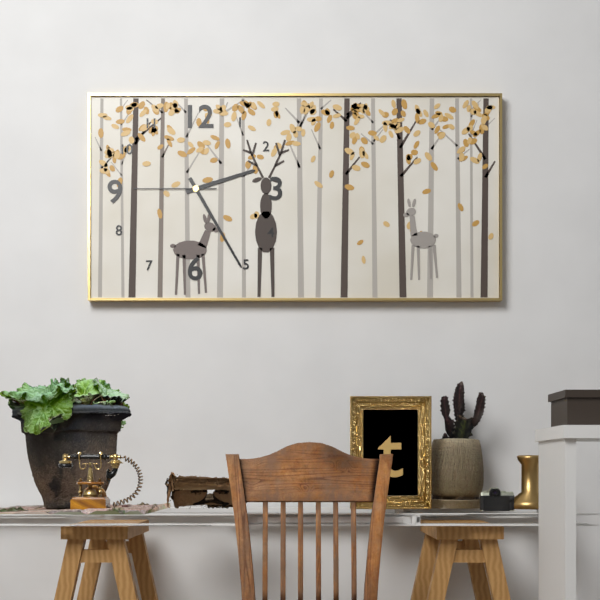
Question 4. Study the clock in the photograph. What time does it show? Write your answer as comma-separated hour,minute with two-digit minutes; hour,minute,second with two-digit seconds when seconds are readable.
2,25,45
